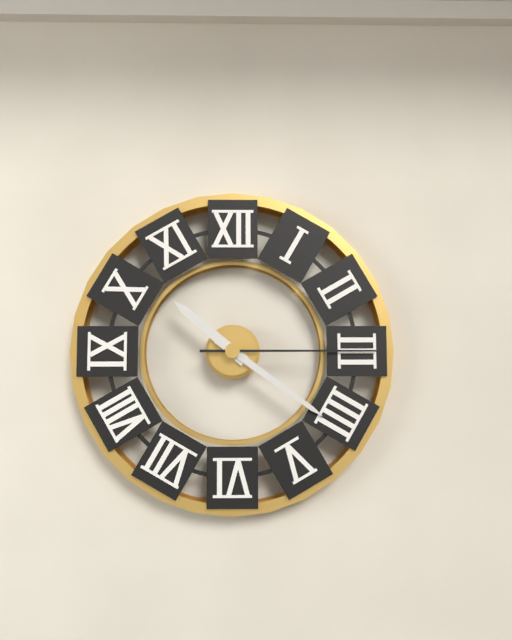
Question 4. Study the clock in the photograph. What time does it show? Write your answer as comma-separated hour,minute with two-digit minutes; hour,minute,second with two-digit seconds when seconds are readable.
10,21,15
